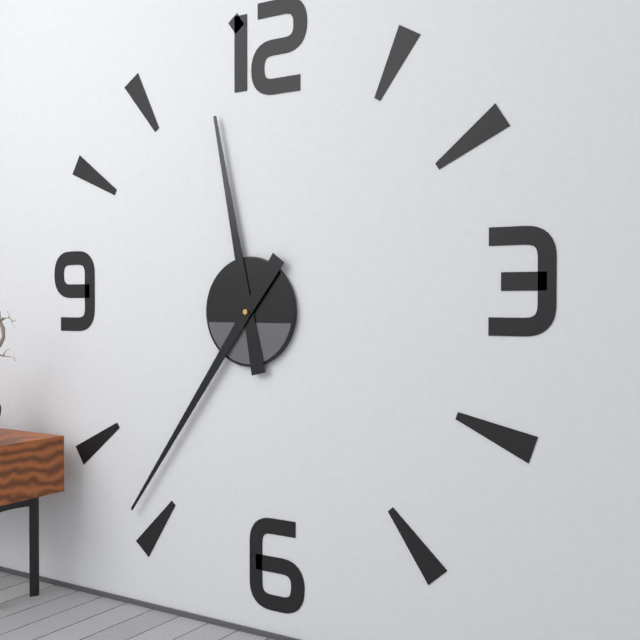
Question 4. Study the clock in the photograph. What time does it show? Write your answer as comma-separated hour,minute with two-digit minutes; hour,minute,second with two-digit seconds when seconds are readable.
11,36
